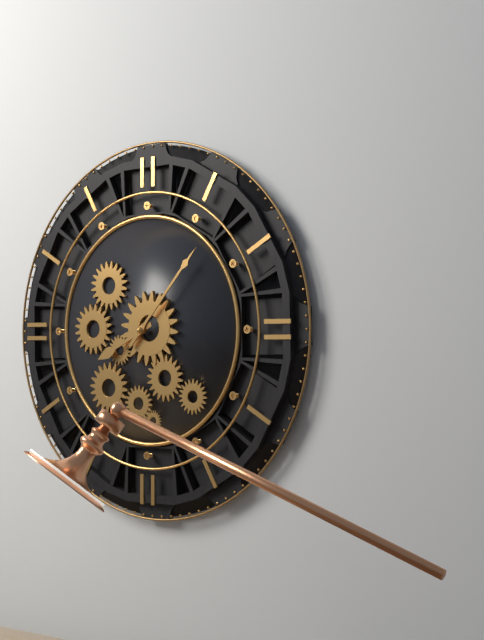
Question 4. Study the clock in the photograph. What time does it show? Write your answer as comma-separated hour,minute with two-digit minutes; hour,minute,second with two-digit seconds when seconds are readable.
8,07
